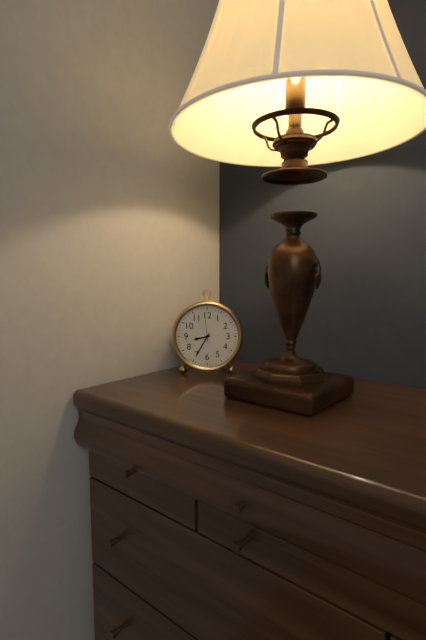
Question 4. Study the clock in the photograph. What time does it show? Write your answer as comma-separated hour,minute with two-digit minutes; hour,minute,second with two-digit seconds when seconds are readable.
8,35
